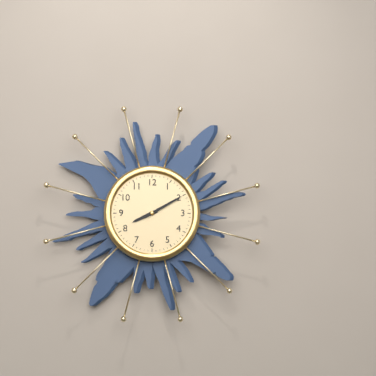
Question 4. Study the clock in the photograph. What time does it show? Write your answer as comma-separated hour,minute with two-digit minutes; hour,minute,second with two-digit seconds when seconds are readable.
8,10
